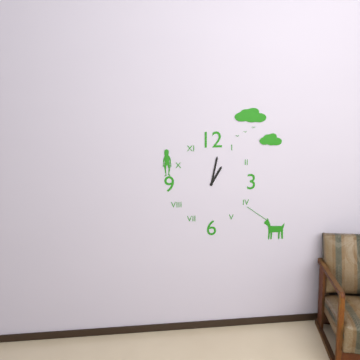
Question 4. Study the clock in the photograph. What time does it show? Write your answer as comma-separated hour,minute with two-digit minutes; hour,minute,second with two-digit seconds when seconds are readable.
1,02
